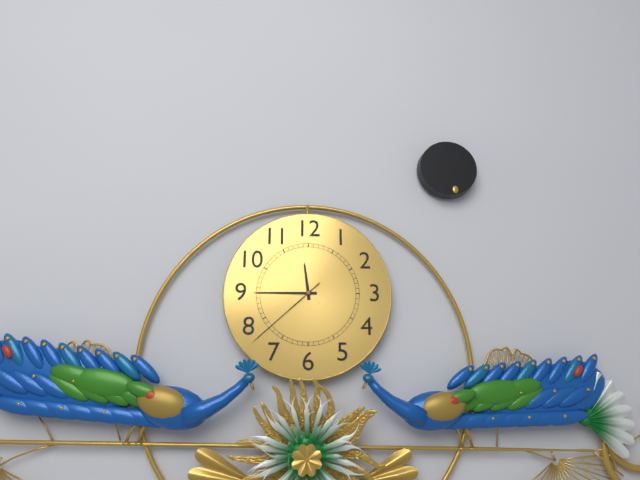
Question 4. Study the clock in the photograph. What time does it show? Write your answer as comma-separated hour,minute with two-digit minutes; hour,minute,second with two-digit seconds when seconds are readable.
11,45,38
